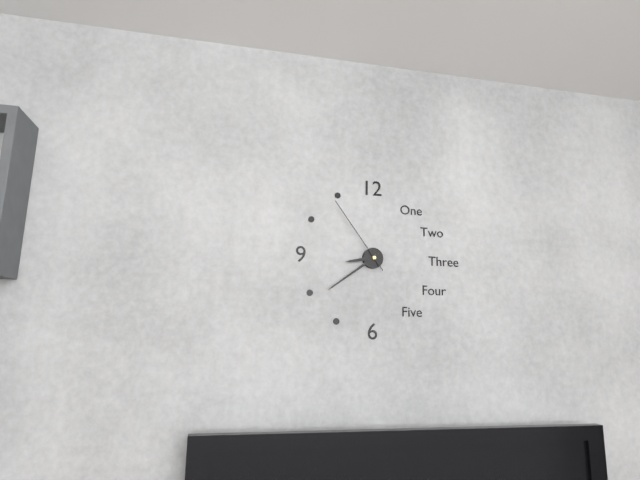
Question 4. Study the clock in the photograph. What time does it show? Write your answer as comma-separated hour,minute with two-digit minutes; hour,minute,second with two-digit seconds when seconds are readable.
8,39,54
